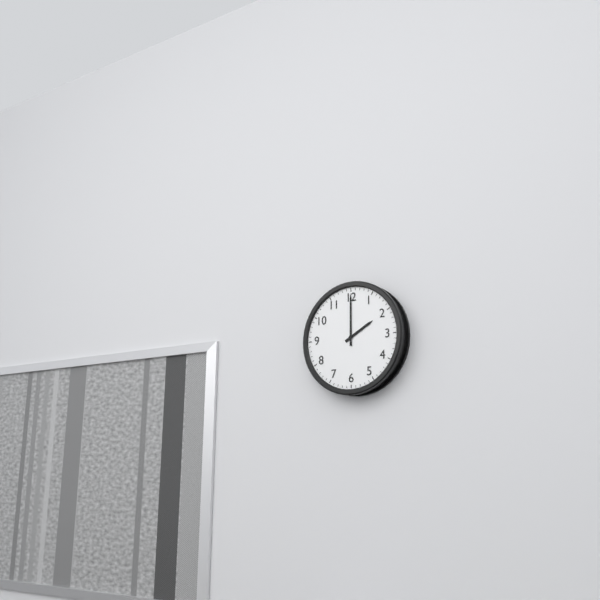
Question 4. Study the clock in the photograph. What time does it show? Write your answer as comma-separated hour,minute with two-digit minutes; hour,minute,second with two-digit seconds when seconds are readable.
2,00
